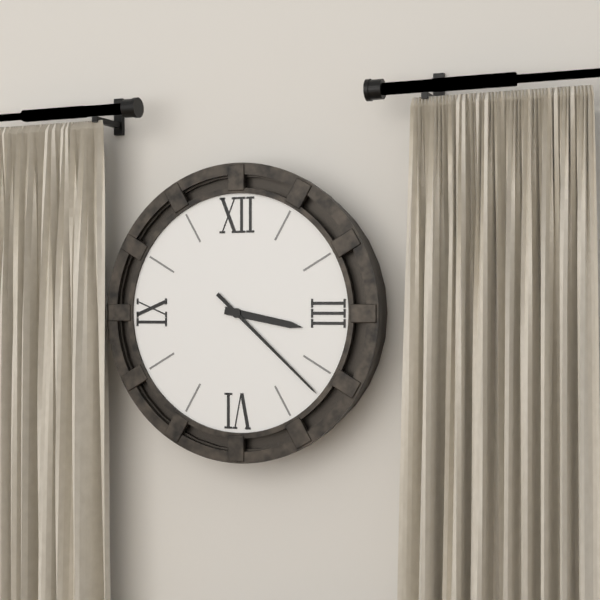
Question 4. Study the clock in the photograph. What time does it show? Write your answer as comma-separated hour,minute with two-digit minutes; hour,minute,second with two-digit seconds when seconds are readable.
3,22
